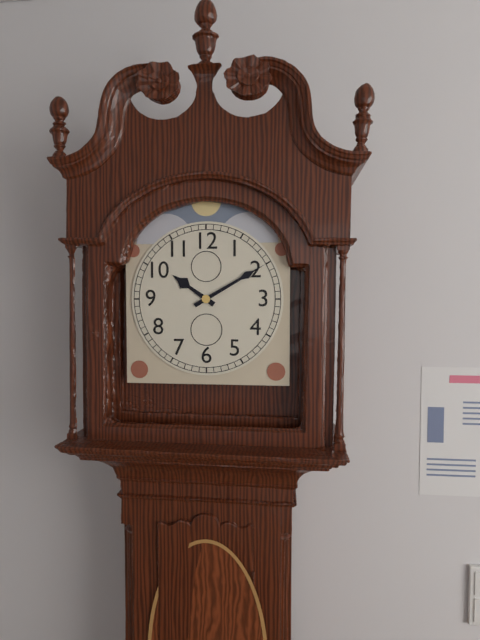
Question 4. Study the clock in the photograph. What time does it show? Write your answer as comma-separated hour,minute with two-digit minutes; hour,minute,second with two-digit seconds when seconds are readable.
10,10
